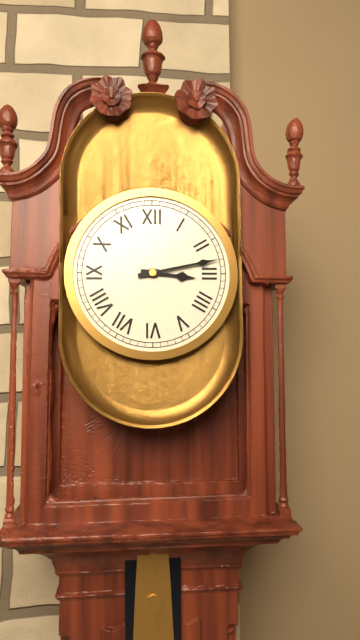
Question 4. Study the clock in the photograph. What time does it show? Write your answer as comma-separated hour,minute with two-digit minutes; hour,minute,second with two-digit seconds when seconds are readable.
3,13
